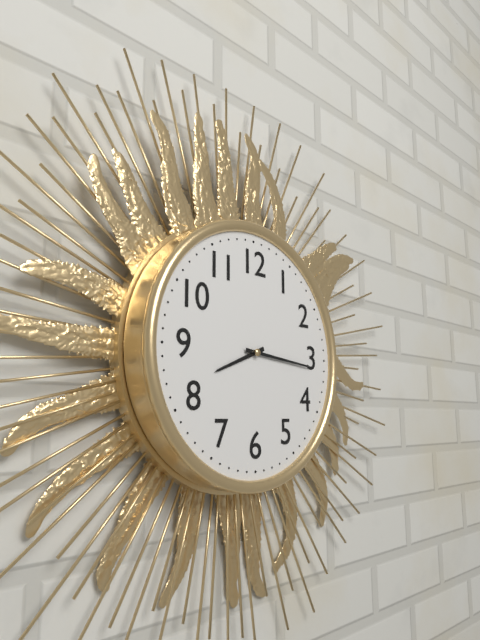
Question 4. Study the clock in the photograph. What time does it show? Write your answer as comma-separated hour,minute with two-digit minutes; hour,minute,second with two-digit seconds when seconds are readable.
8,16
